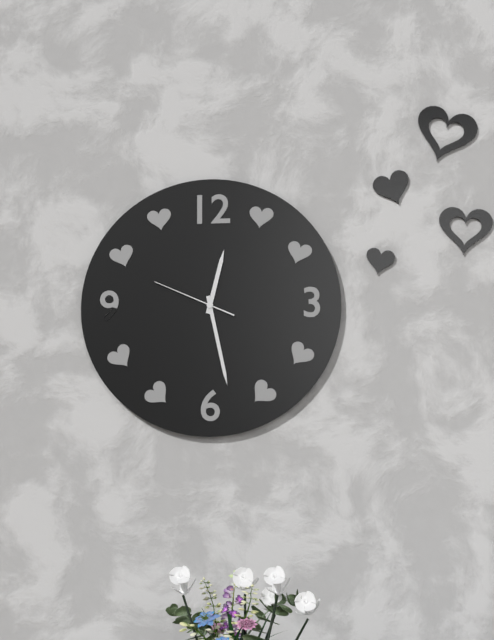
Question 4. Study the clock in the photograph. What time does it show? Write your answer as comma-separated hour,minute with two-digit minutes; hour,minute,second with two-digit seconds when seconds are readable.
12,28,49
